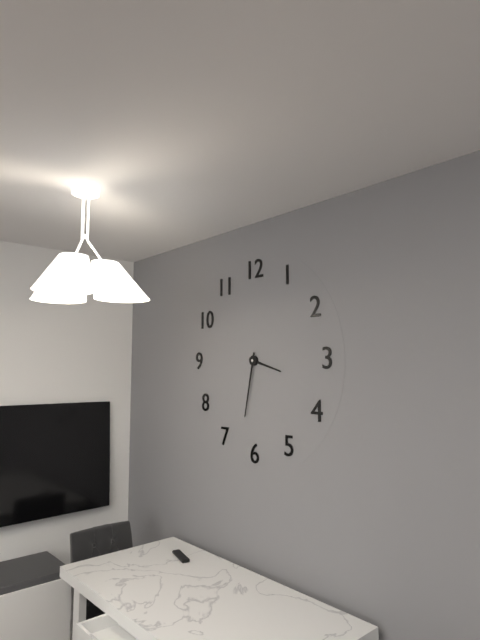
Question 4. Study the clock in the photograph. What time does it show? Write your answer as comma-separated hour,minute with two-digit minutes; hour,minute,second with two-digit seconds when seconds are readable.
3,32
